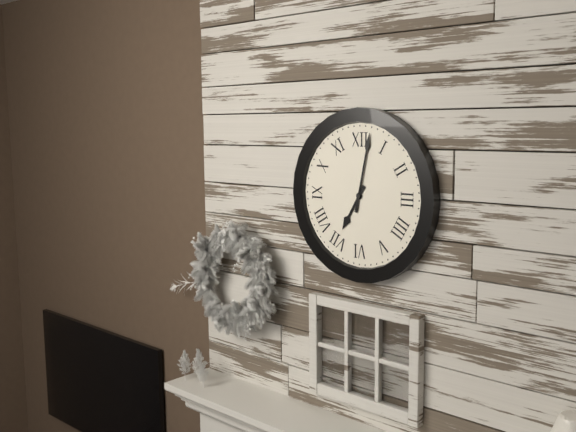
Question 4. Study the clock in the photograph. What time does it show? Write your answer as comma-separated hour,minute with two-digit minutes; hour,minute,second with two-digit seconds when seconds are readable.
7,02
